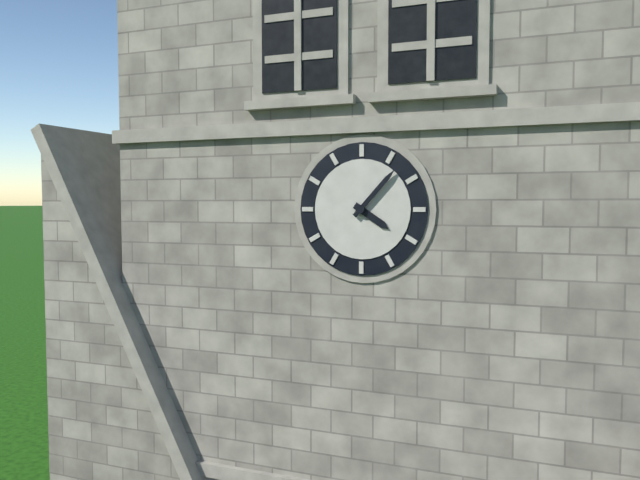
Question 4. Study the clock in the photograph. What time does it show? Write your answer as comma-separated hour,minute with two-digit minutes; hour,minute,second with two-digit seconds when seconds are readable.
4,07
